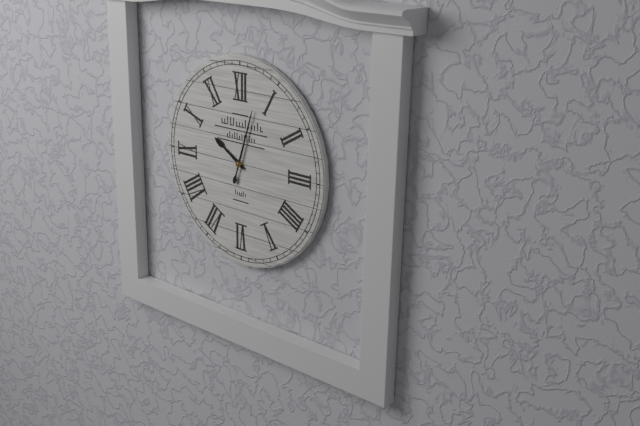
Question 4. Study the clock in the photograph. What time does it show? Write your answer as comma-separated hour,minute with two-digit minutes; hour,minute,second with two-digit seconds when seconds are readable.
10,03
